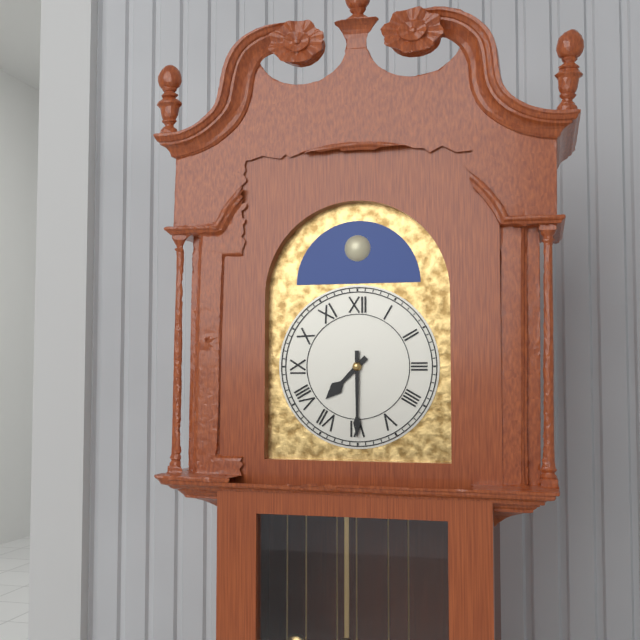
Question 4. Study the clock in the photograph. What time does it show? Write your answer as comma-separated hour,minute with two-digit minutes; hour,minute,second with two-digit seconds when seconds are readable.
7,30
